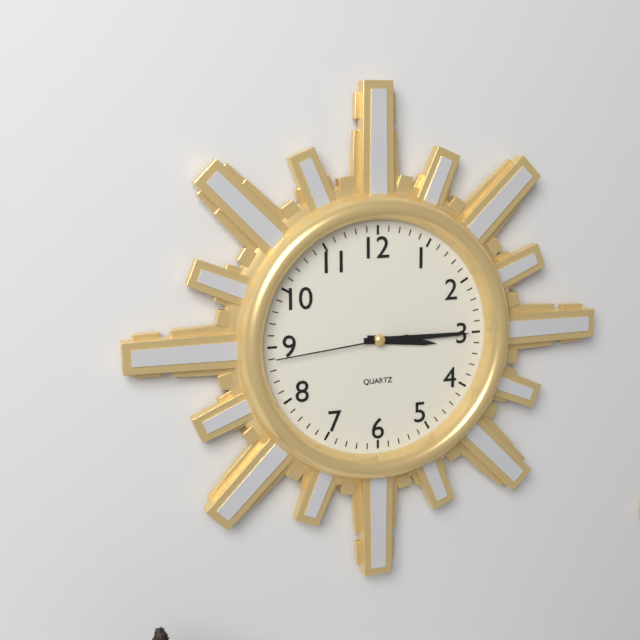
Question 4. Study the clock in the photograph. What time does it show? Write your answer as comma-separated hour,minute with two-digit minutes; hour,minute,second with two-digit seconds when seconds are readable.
3,15,44
